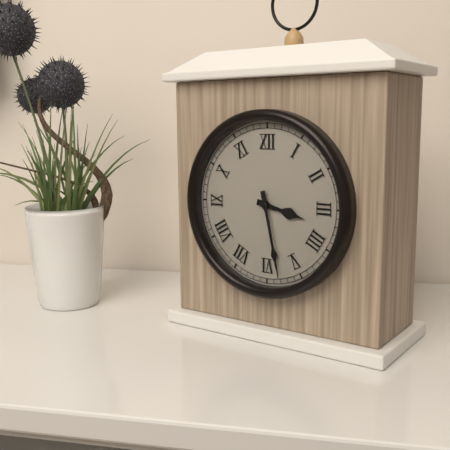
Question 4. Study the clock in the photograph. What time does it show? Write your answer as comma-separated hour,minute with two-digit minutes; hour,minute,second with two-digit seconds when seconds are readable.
3,28
